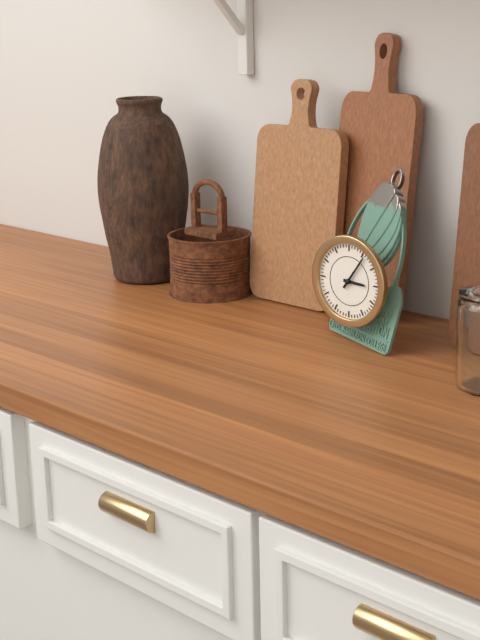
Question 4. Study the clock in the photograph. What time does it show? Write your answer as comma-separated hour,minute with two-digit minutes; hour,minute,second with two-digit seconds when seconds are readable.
3,06
